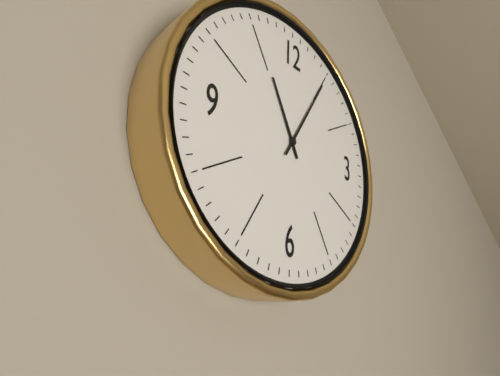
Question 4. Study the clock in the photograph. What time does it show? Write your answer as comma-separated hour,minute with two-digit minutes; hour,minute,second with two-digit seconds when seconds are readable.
11,05
